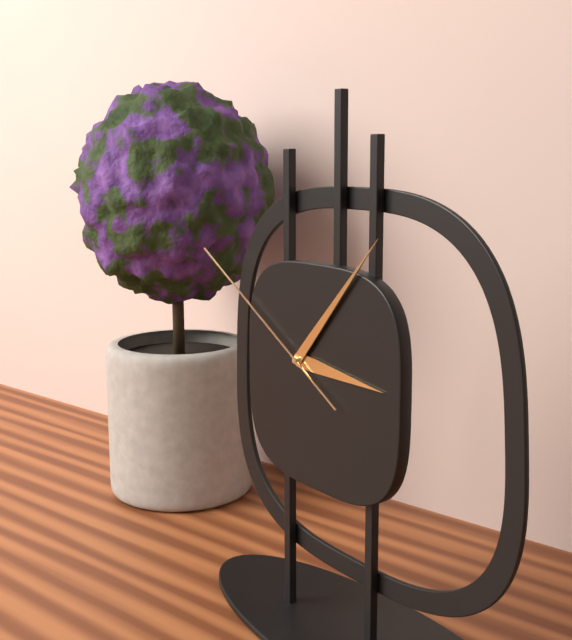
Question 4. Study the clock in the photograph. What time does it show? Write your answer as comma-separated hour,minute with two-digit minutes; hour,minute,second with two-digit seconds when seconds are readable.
3,07,50
